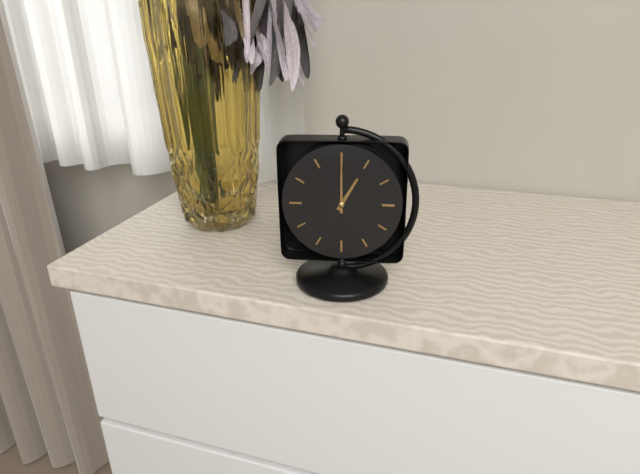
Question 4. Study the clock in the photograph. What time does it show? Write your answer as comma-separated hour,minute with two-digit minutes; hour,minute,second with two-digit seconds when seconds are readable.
1,00
